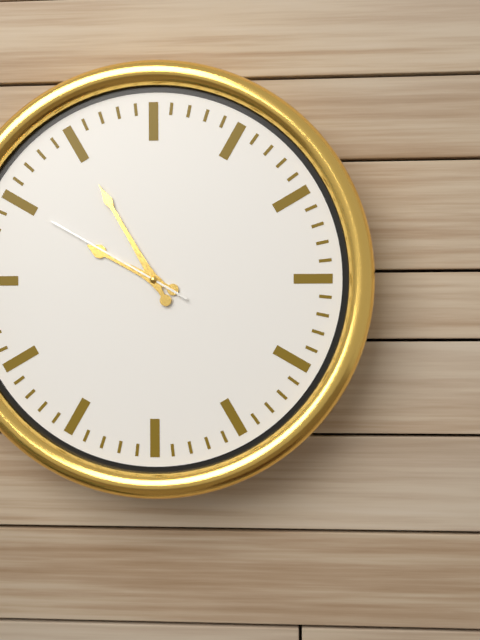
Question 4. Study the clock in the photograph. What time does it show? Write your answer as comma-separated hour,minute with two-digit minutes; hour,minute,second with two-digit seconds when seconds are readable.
9,55,50
